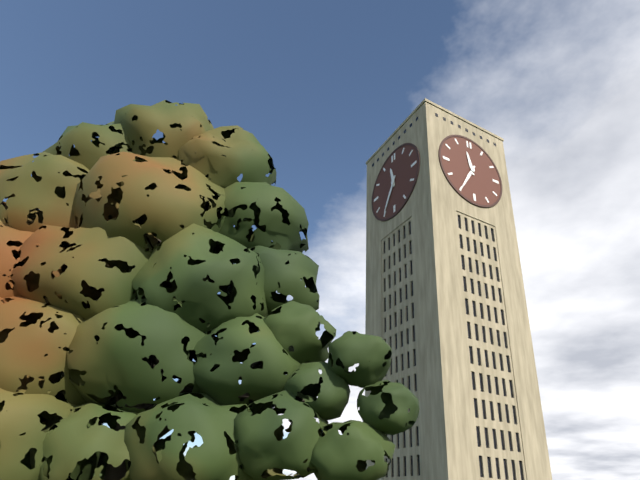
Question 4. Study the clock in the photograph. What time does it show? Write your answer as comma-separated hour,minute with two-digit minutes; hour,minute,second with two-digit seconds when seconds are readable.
11,35
